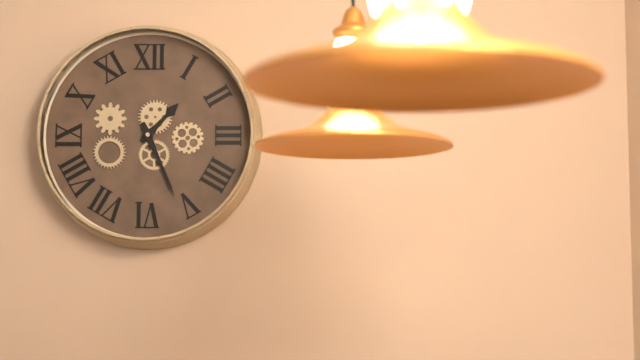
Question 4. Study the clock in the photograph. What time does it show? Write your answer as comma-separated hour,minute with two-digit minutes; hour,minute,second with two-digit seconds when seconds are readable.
1,26
